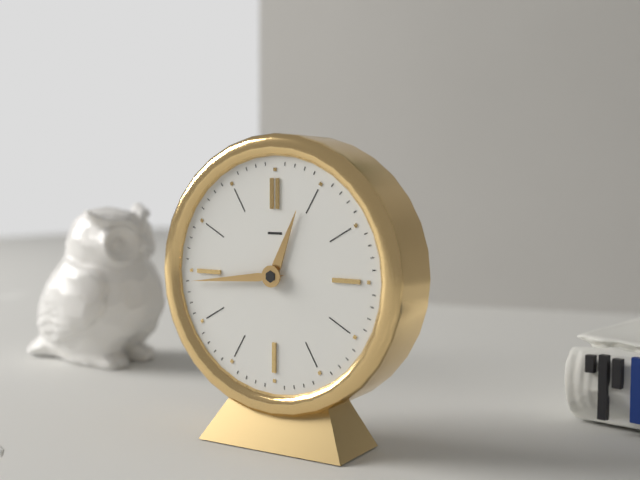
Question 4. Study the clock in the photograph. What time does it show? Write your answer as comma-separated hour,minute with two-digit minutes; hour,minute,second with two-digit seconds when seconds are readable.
12,44
